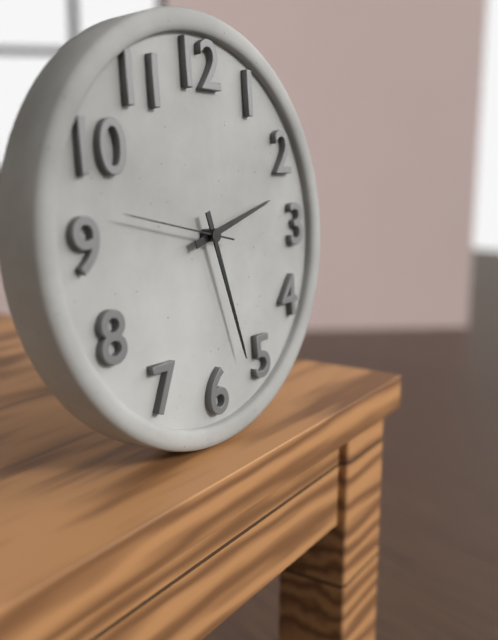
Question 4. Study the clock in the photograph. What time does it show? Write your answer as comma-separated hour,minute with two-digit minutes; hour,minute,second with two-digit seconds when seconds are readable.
2,27,47
